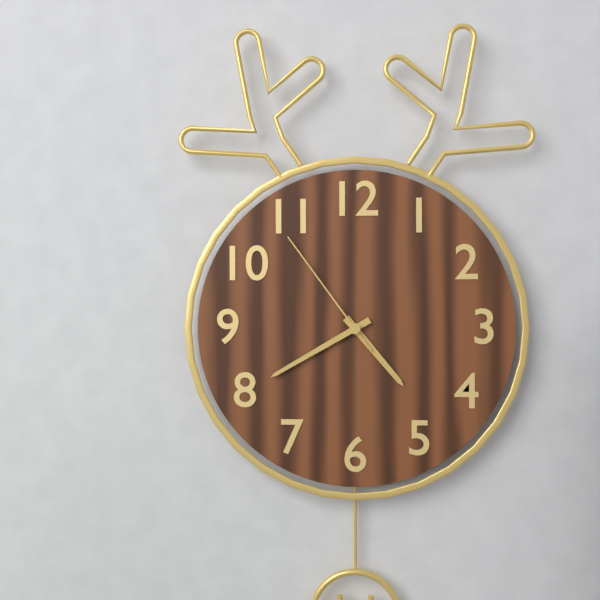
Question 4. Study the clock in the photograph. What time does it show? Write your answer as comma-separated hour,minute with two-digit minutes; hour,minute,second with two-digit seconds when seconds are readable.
4,40,54
